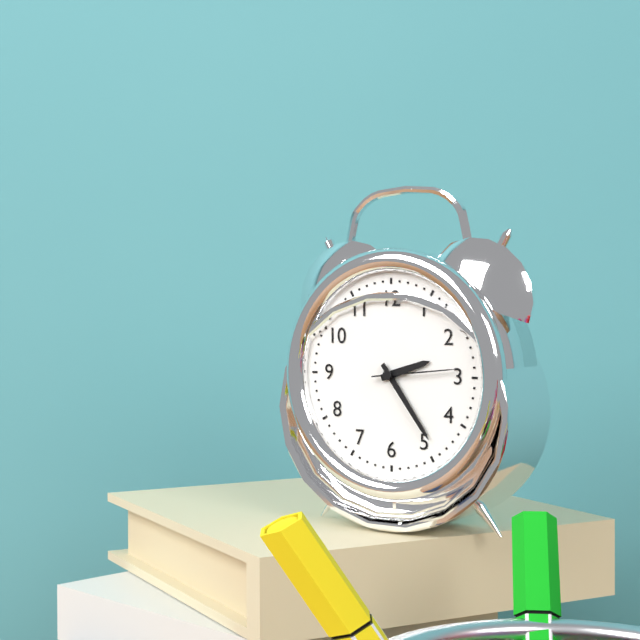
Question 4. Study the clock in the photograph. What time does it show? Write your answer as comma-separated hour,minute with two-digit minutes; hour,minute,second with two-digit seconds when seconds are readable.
2,24,14
